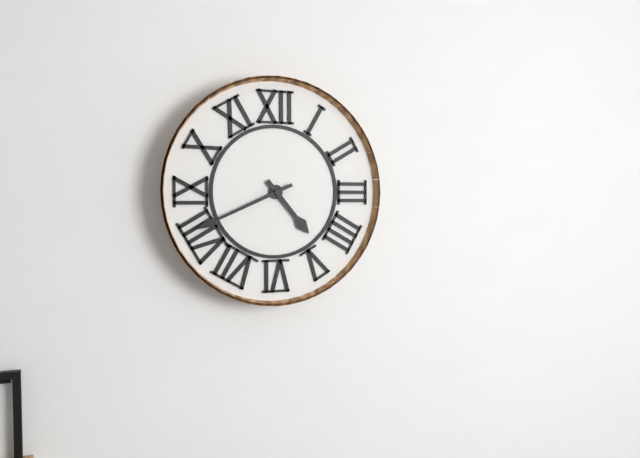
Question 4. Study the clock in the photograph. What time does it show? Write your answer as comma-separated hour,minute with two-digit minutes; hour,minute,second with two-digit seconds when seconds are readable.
4,41
